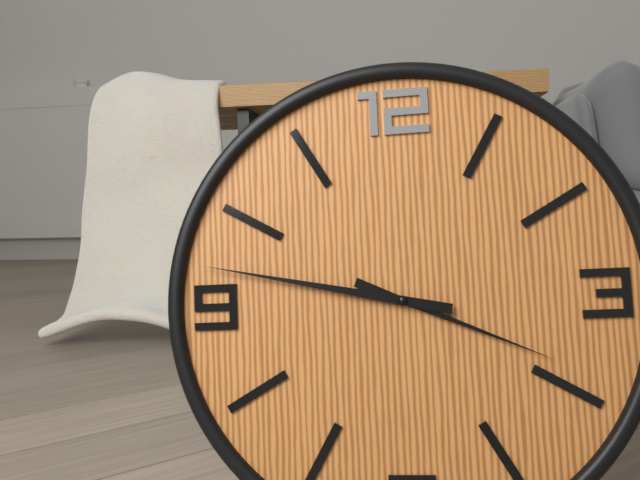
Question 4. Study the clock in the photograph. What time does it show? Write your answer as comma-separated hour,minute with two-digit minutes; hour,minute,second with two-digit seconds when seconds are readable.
3,47
